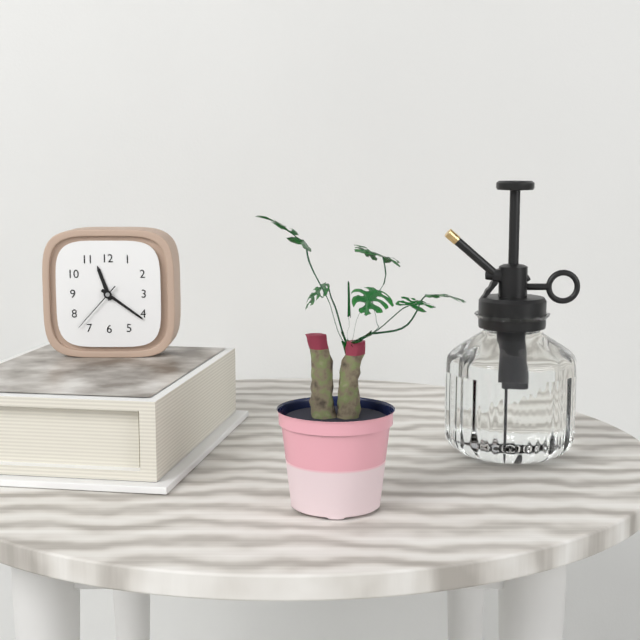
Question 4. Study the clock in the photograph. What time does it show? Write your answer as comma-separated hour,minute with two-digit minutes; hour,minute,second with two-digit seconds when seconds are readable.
11,21,37
